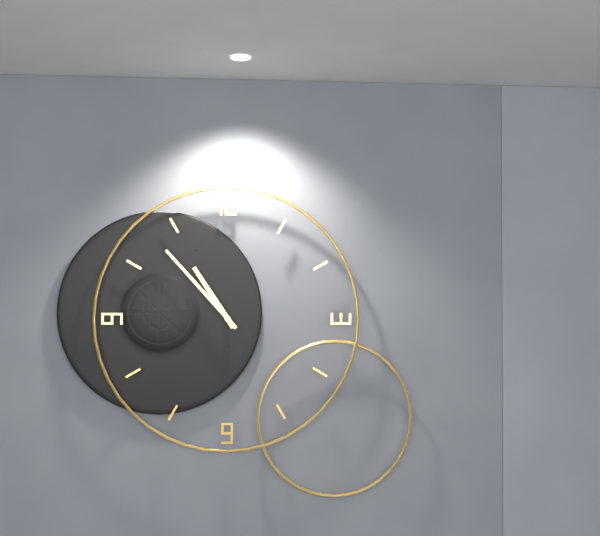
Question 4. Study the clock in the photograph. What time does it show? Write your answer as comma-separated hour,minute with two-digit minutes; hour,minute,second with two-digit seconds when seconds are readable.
10,53
